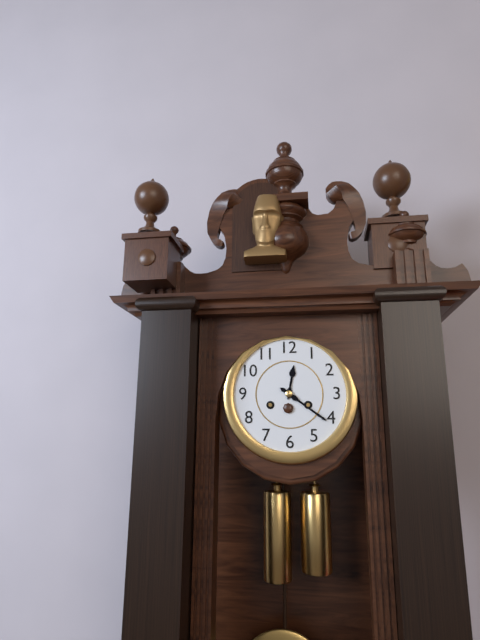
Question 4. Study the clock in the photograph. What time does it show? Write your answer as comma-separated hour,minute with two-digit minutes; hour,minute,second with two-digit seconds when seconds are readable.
12,21
